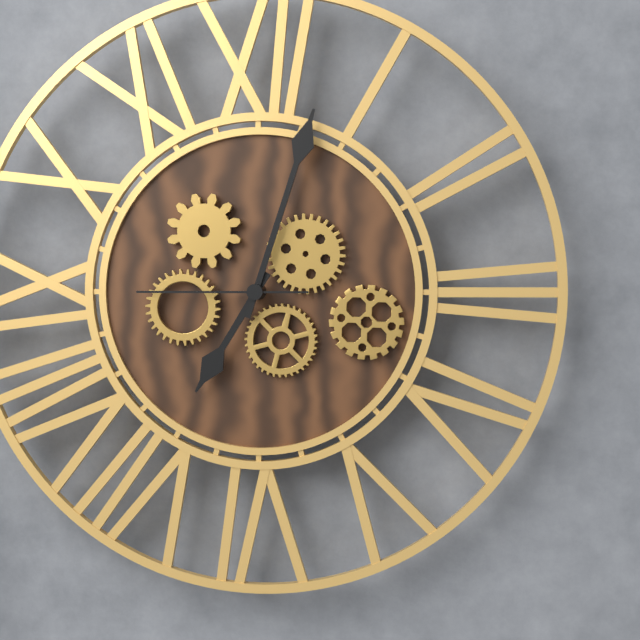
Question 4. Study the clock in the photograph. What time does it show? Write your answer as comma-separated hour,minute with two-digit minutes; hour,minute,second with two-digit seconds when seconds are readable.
7,03,45
